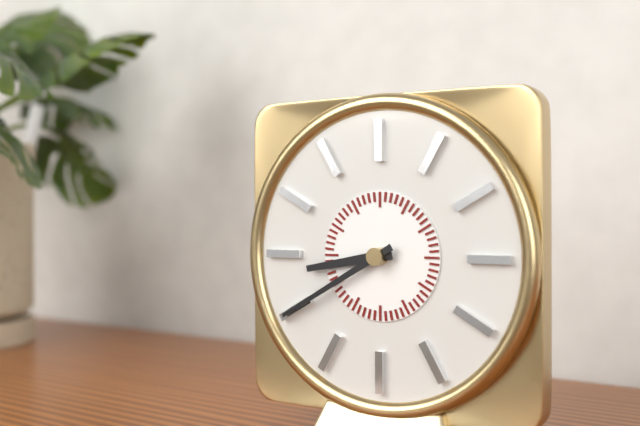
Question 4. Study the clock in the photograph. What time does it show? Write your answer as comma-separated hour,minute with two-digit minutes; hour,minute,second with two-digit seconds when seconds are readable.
8,40
